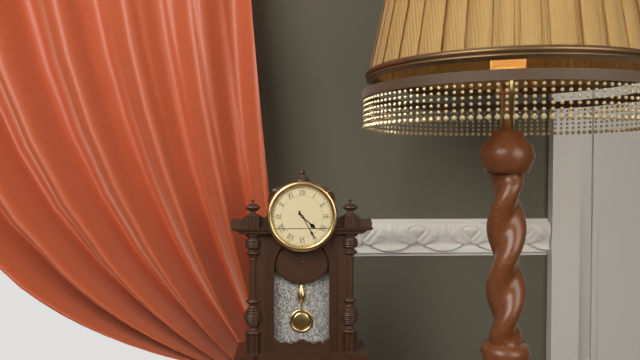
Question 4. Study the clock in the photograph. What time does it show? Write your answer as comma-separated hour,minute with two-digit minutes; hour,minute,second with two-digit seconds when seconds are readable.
4,25
